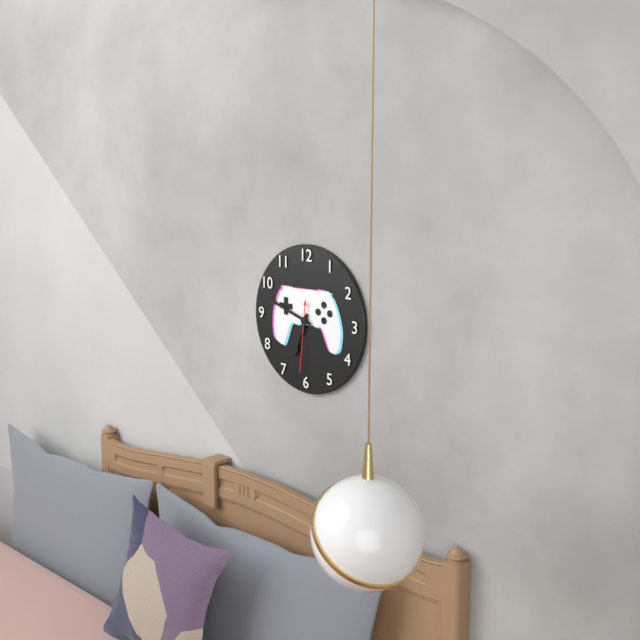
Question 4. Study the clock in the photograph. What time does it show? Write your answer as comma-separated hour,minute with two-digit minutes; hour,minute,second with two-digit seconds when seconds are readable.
6,48,31
